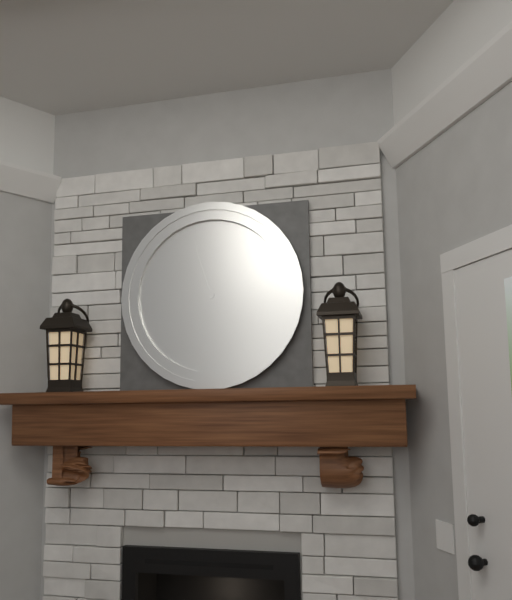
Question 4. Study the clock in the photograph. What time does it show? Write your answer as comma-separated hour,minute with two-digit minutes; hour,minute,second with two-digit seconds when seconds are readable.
11,57
